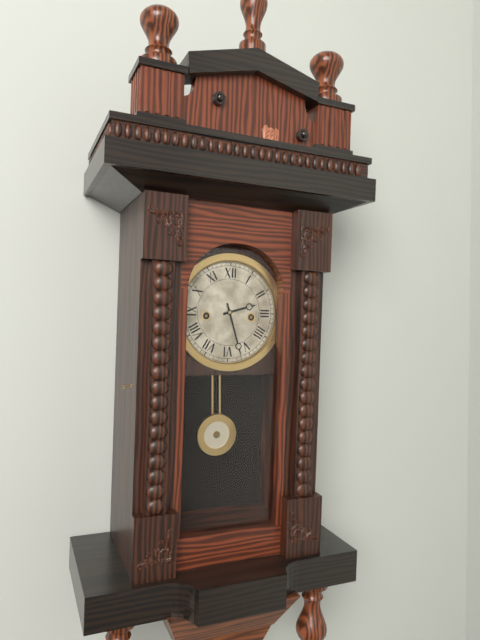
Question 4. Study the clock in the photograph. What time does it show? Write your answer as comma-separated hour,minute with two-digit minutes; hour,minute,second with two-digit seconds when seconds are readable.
2,27
